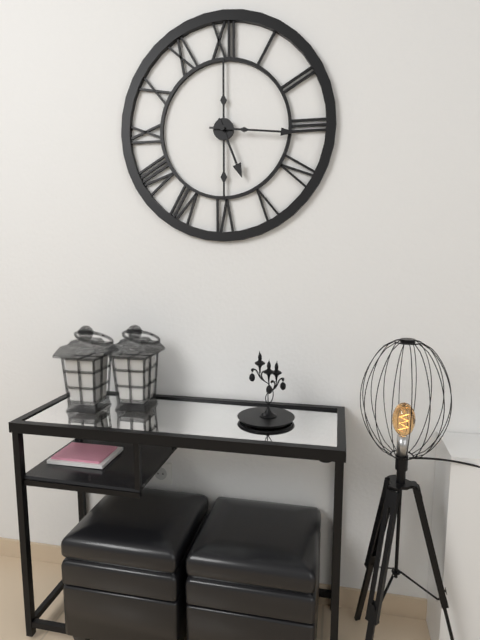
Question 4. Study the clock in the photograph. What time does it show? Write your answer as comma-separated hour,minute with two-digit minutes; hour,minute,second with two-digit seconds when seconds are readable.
5,16
